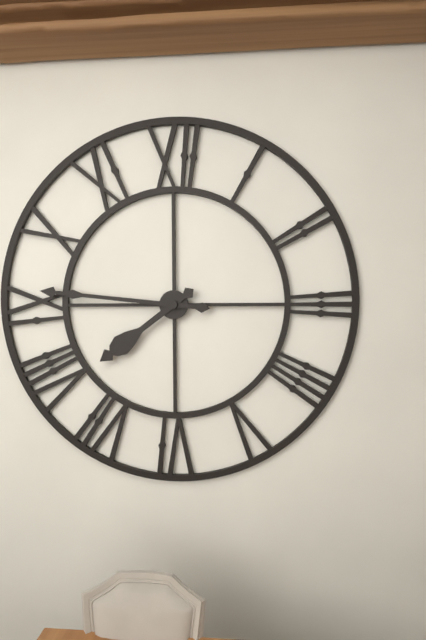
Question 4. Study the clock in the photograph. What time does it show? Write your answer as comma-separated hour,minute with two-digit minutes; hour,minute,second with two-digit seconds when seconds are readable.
7,46
